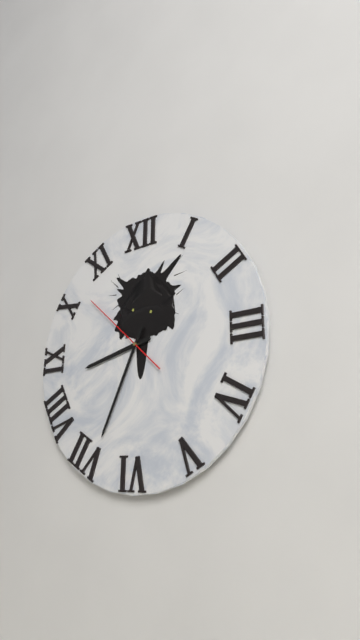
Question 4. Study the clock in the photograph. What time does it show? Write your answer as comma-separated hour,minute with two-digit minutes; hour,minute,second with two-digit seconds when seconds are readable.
8,34,52
